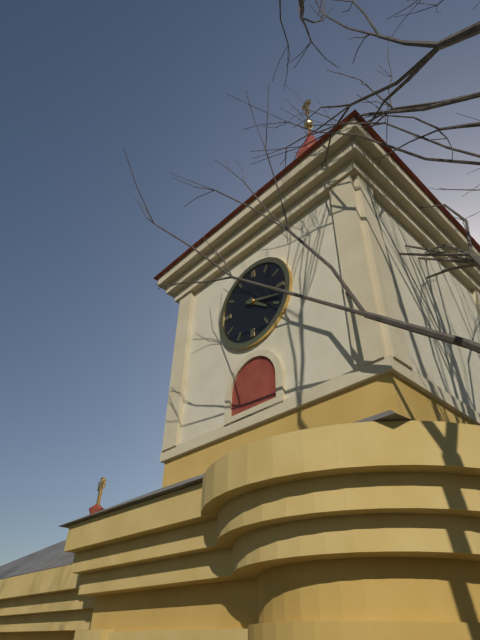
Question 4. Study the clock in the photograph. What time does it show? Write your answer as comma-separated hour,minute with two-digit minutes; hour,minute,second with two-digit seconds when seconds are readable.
4,18
